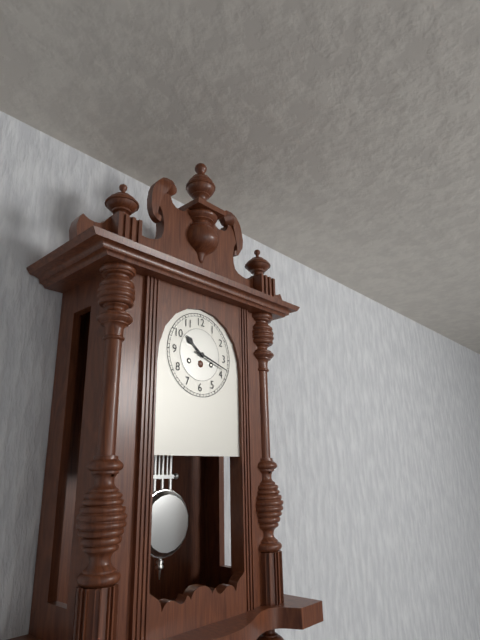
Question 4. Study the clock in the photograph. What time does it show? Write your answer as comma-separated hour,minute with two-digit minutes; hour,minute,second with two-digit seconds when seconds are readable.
10,18
